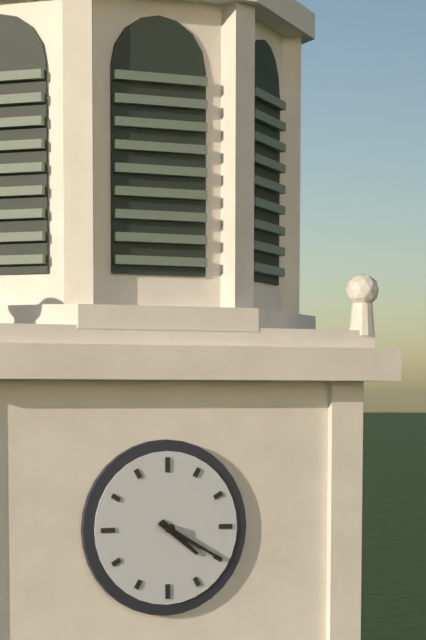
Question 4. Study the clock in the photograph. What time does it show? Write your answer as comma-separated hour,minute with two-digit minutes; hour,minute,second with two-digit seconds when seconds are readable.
4,20
